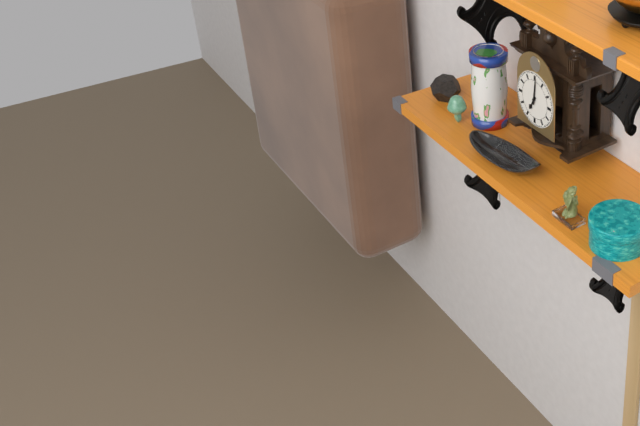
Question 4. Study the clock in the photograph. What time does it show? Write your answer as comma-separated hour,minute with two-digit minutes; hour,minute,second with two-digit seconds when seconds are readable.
7,01
